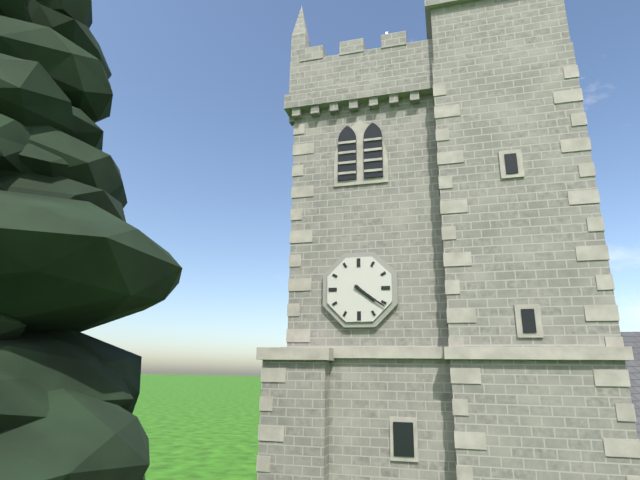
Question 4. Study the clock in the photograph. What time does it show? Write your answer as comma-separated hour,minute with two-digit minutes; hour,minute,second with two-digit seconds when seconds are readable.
4,21
